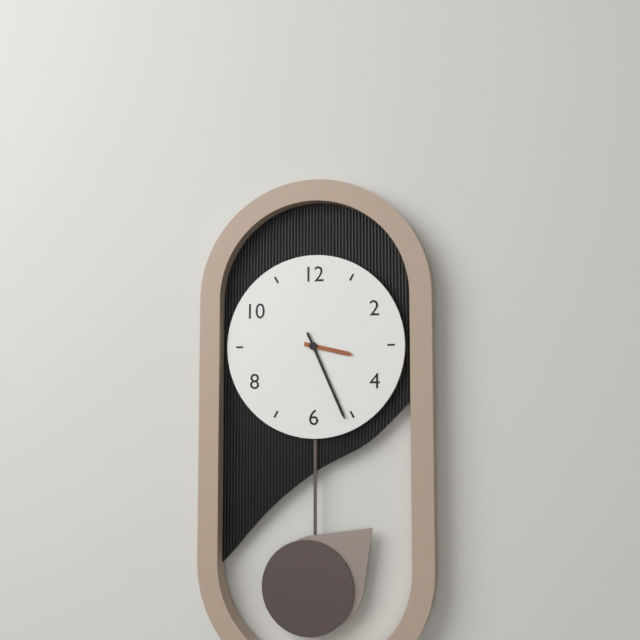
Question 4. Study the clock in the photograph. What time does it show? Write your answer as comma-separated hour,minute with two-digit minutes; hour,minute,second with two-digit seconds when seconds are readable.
3,26
